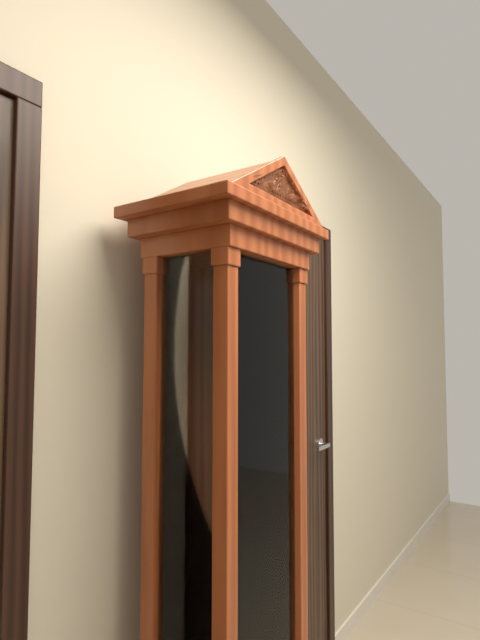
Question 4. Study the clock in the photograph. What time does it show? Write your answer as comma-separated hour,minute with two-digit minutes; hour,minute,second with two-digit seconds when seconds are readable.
1,26
